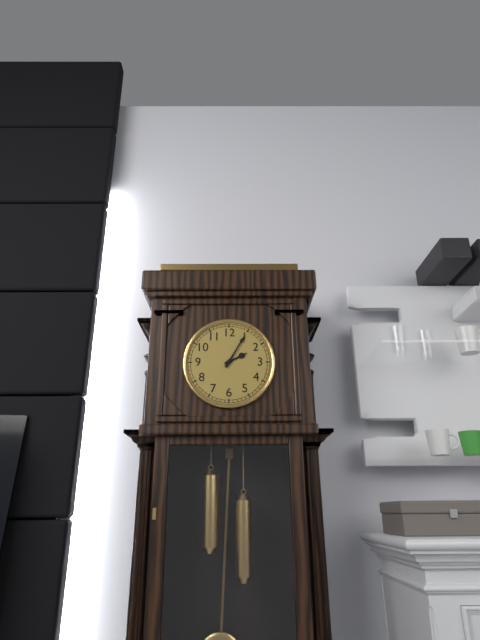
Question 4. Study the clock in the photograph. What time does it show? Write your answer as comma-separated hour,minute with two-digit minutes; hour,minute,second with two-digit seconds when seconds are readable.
2,05
